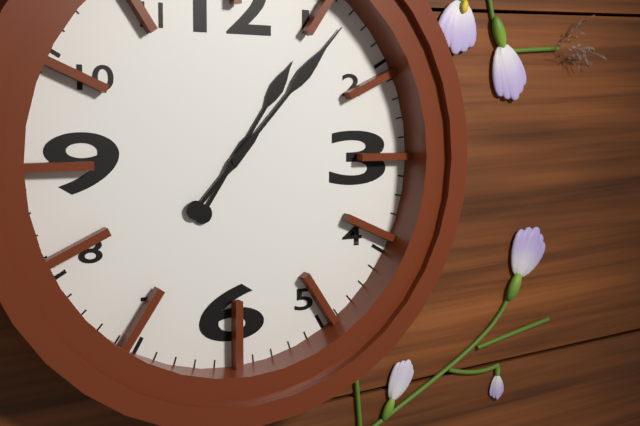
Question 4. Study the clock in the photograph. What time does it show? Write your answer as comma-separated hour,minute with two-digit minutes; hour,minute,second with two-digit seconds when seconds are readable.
1,07
